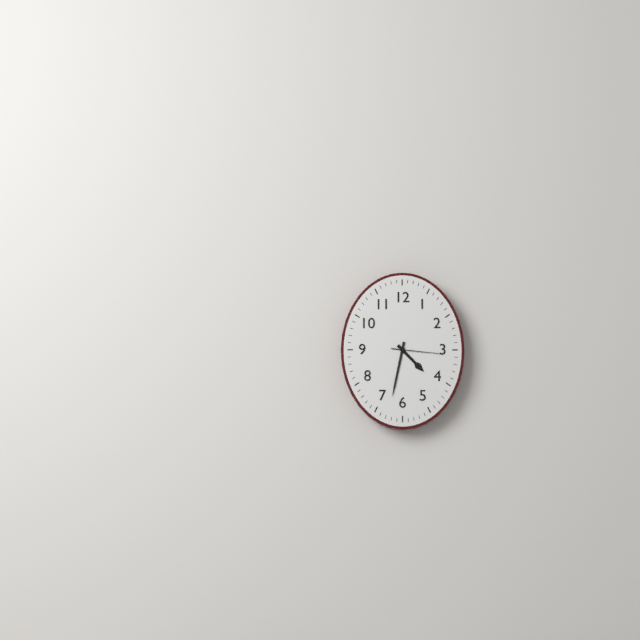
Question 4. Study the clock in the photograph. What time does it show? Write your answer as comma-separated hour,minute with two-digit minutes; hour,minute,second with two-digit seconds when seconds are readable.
4,32,16
